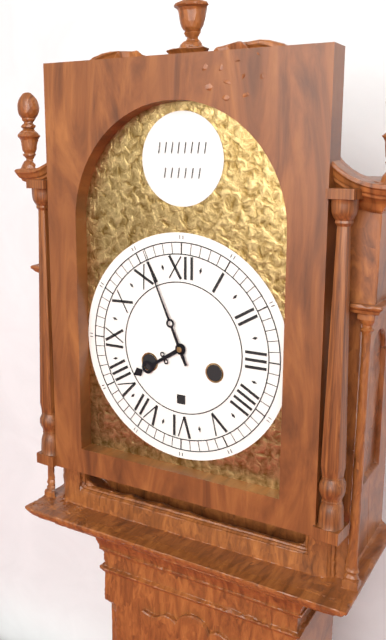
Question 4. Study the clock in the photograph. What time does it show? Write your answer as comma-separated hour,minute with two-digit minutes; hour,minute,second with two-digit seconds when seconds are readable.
7,56
